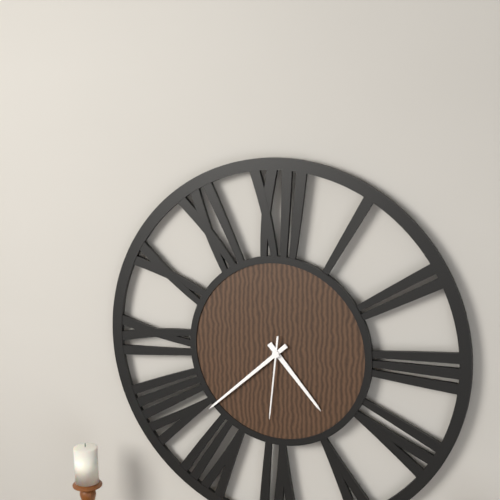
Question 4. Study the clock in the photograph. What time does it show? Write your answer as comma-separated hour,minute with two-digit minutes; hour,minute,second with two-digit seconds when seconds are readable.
4,38,31
